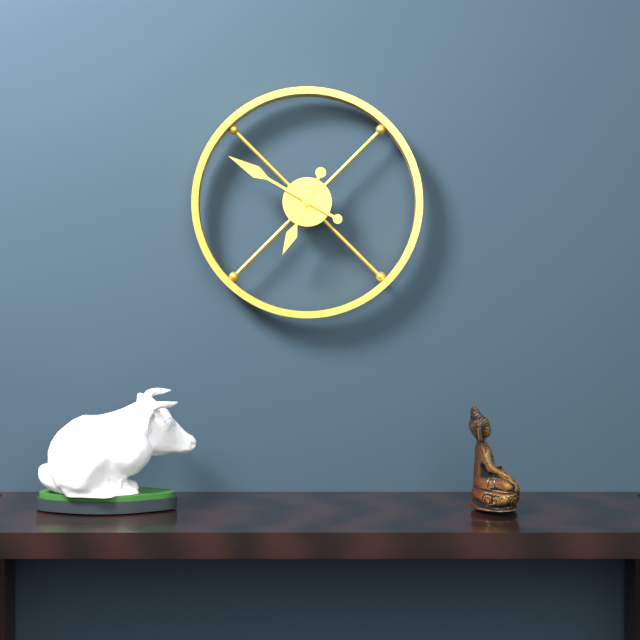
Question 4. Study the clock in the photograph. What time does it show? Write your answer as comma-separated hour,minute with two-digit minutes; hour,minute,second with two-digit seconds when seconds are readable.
6,50
